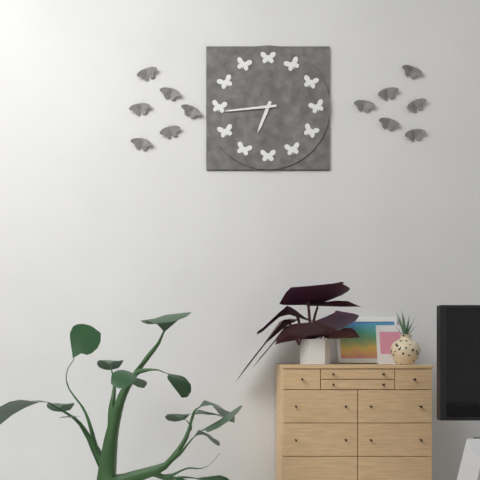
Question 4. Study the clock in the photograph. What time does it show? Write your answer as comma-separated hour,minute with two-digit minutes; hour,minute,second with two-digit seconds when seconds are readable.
6,44
